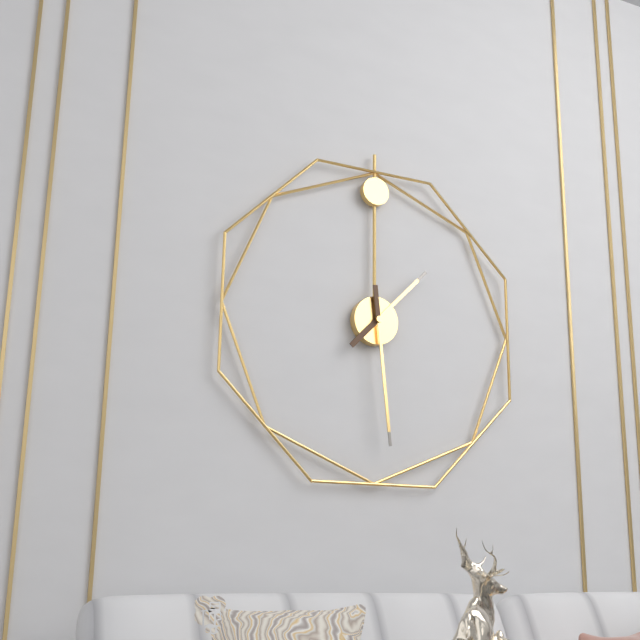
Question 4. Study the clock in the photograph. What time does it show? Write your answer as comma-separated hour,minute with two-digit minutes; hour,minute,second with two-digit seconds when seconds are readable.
1,29
